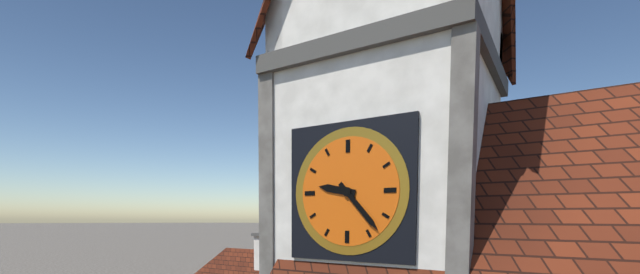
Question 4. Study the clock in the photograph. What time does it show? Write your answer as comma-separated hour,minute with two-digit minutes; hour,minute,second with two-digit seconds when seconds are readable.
9,23
